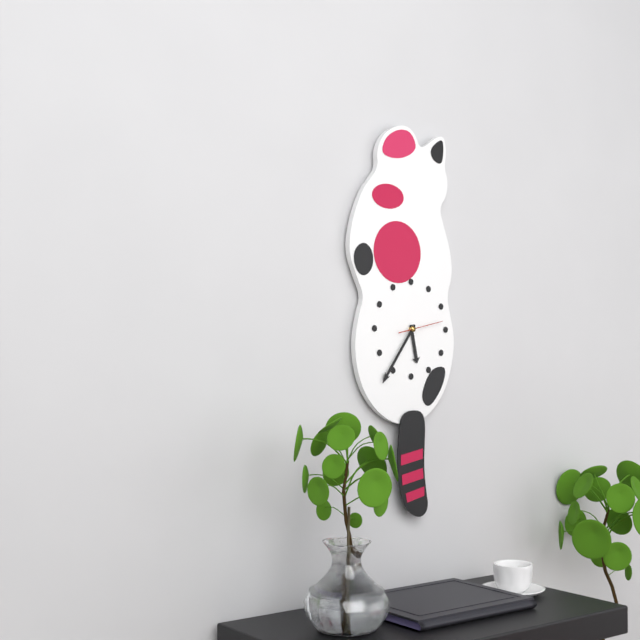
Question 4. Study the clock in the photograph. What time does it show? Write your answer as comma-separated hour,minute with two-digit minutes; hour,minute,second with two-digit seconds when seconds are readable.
5,36,13
